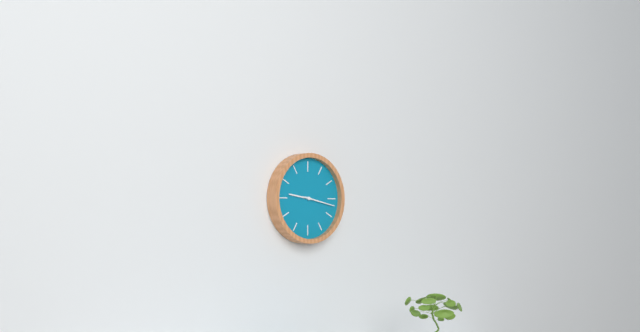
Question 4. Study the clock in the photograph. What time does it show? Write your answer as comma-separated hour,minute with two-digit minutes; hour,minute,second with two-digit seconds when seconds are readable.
9,17
